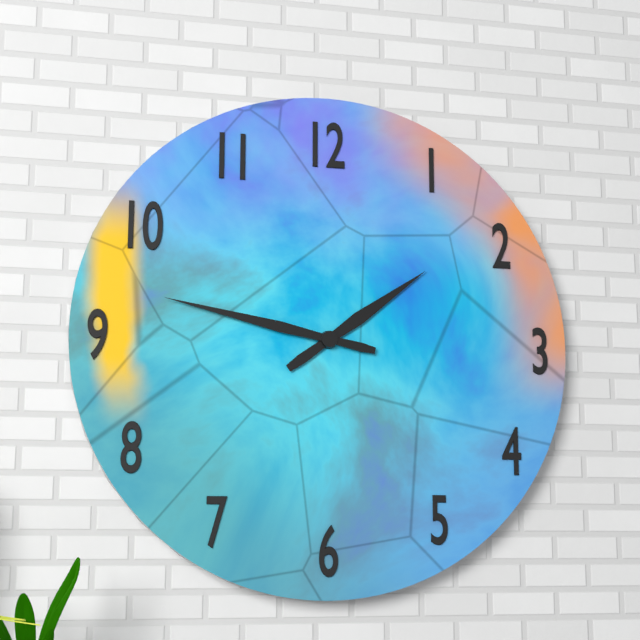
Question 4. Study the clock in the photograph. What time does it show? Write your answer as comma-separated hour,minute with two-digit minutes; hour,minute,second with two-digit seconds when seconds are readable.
1,47
